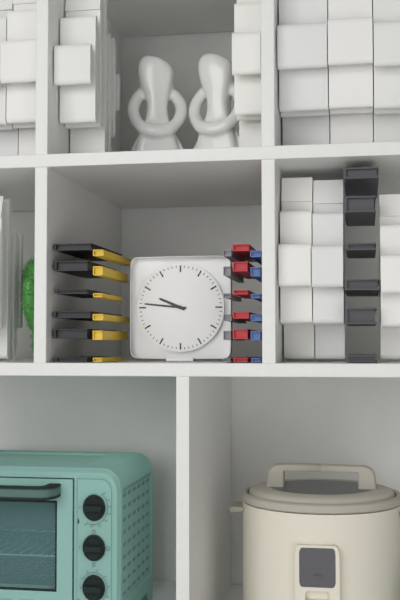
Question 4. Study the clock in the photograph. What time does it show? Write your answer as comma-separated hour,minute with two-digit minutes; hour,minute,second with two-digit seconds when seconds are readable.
9,46
